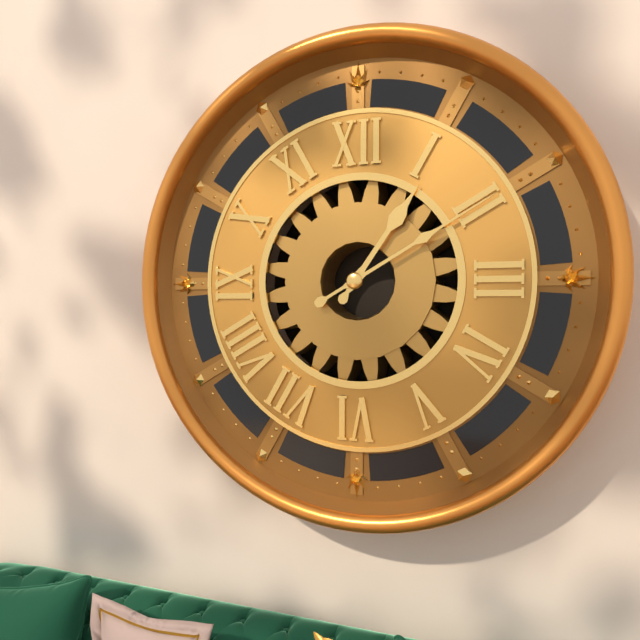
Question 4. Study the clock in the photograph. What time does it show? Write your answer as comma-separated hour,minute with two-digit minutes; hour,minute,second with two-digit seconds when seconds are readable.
1,10
